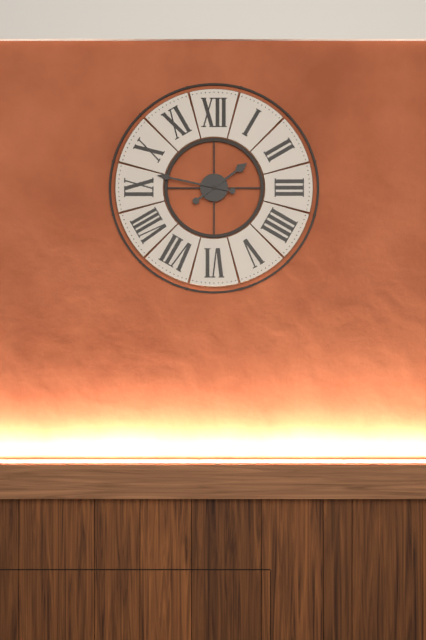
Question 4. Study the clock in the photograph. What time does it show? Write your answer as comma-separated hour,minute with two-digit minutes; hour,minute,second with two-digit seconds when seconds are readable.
1,47
